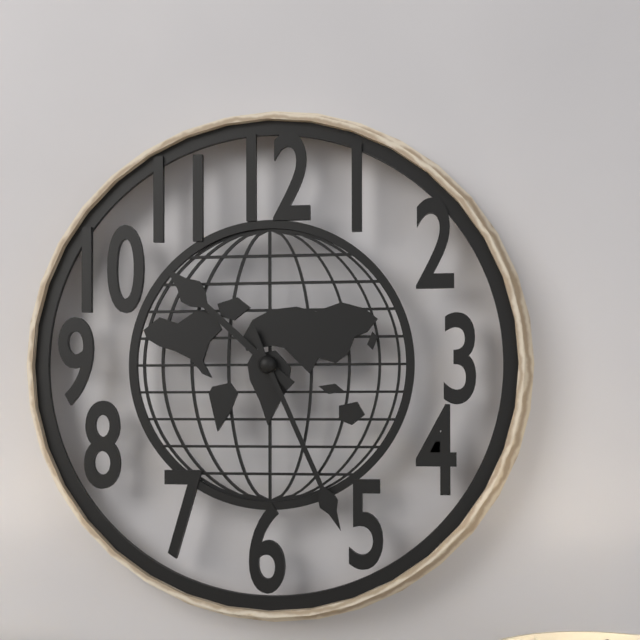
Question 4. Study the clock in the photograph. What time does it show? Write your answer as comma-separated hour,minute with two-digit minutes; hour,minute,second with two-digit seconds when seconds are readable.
10,26
